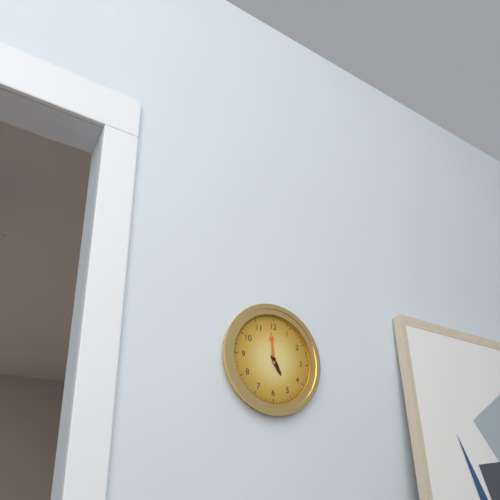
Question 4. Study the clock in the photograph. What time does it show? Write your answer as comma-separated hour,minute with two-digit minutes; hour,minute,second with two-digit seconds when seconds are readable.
4,59
